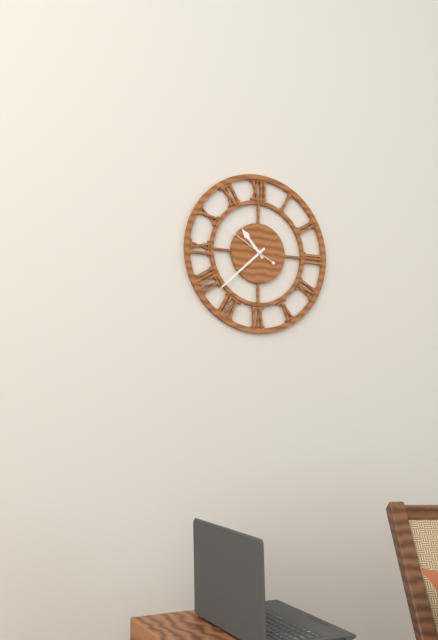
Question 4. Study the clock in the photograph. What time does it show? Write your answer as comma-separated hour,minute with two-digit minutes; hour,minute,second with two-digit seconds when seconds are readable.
10,38
